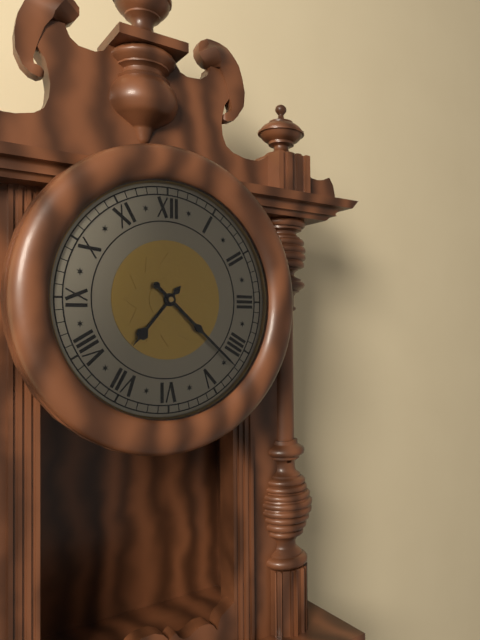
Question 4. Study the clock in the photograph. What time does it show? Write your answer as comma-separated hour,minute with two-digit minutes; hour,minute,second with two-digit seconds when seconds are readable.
7,22
